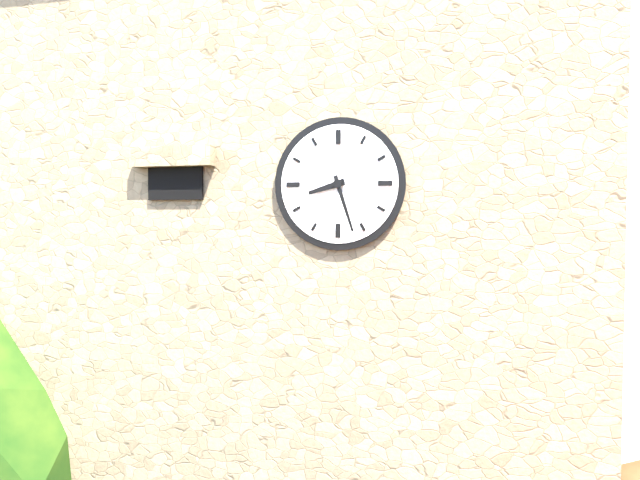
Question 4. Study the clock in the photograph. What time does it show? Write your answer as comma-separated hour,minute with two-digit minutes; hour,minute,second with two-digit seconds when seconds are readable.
8,27
